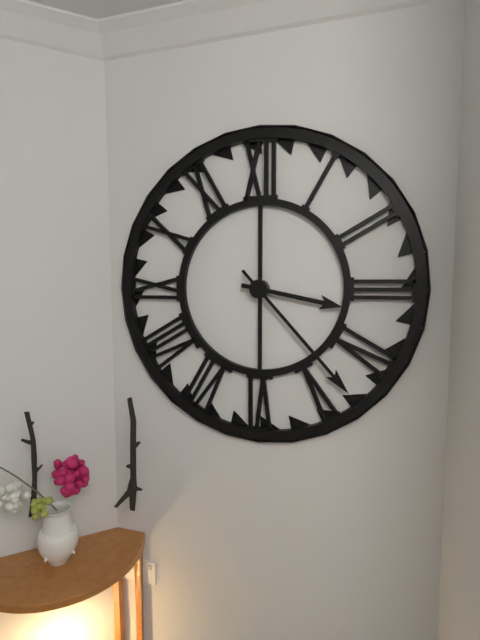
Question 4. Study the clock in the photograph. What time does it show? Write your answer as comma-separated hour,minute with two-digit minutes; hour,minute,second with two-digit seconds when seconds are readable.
3,23
